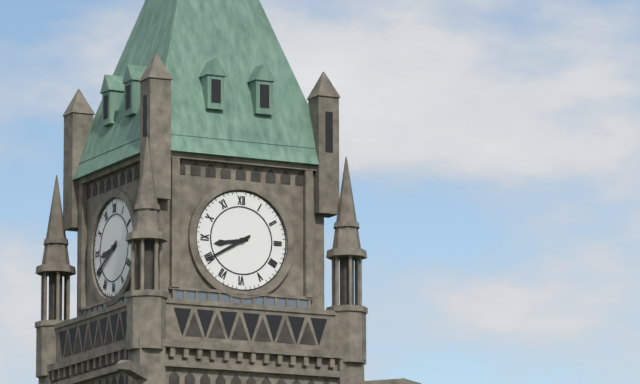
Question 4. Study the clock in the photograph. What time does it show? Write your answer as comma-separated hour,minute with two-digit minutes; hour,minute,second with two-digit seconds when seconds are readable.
8,40
